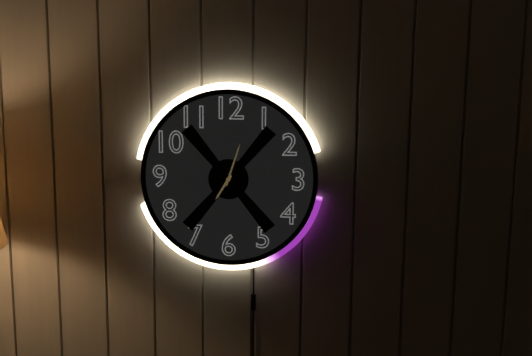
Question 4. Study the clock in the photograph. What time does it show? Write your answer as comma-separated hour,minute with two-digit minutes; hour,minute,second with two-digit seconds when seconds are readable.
7,03
